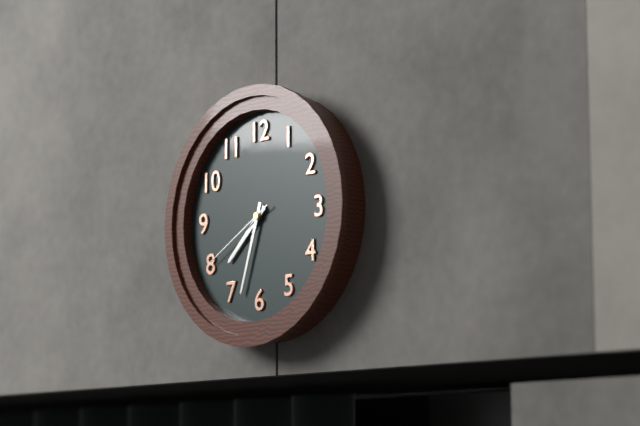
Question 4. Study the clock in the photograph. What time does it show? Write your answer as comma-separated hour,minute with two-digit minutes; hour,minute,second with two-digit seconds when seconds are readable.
7,33,40
